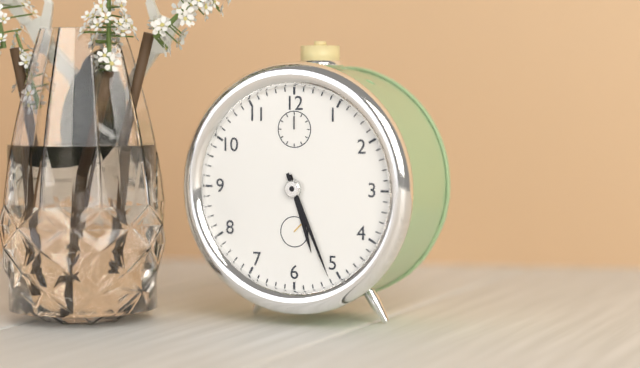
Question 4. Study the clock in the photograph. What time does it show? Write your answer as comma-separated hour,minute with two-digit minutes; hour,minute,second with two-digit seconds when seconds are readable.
5,26
